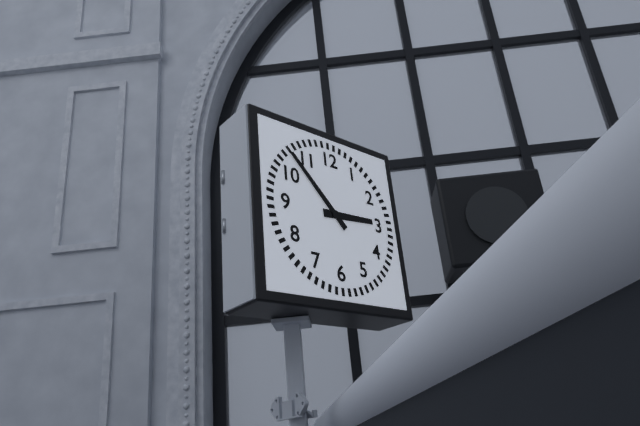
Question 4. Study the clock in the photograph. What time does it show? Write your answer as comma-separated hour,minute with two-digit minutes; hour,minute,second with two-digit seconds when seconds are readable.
2,53
